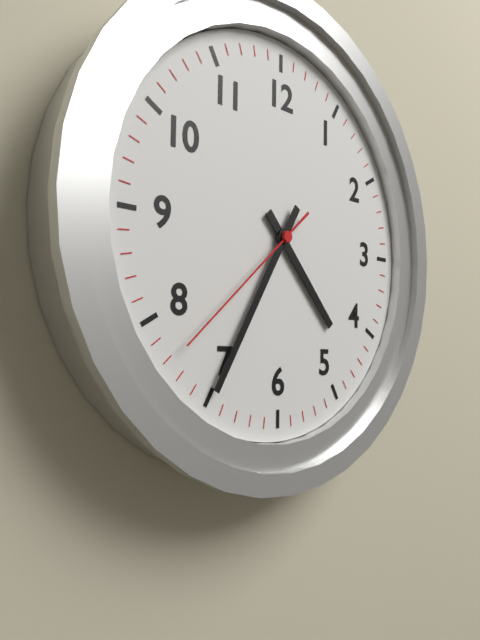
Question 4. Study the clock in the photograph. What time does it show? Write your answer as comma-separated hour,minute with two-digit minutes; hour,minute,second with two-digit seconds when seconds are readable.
4,35,38
